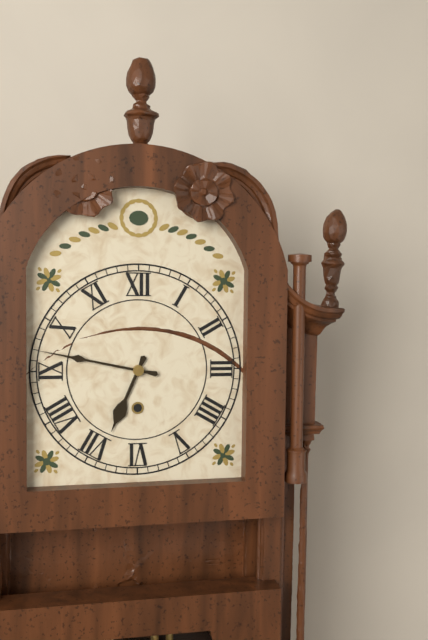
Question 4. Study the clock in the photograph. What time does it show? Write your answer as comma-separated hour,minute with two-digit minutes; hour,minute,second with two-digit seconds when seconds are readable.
6,47
